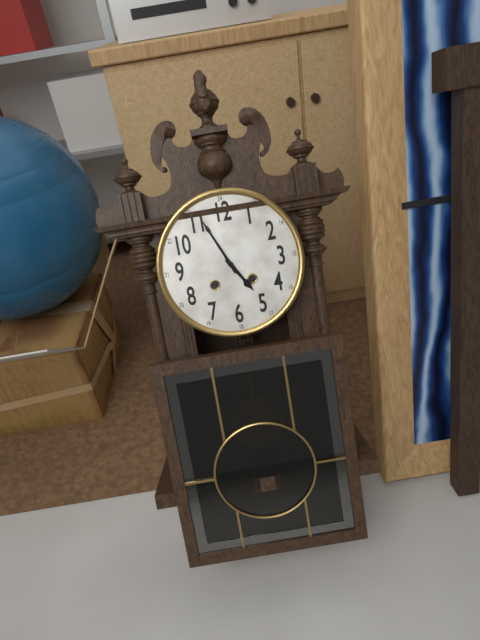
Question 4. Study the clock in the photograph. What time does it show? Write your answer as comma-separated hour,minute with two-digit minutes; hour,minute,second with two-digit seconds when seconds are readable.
4,56
